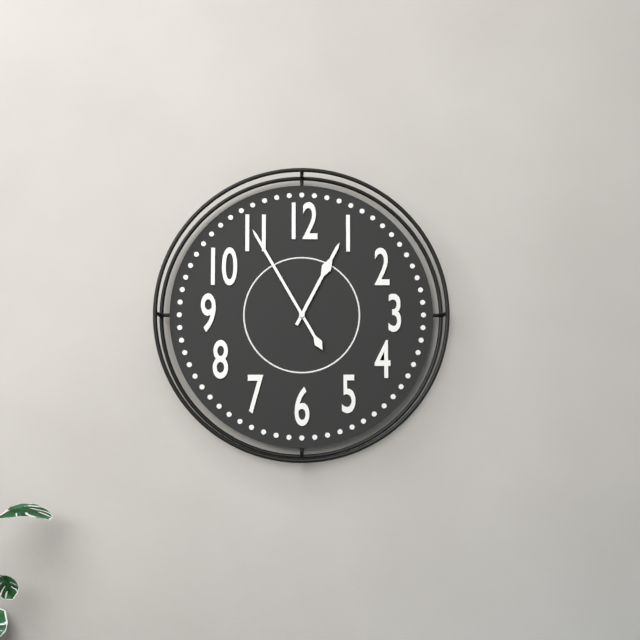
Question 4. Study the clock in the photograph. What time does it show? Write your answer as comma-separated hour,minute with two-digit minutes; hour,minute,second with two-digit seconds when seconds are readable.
12,55
